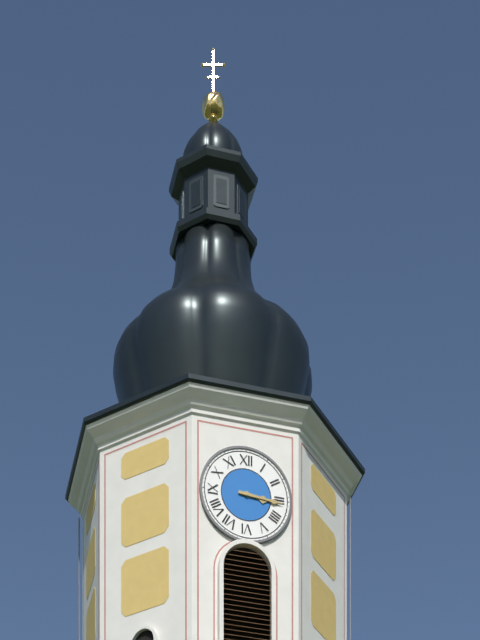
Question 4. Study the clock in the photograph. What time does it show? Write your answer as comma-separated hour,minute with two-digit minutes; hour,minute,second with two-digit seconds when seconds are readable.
3,16
